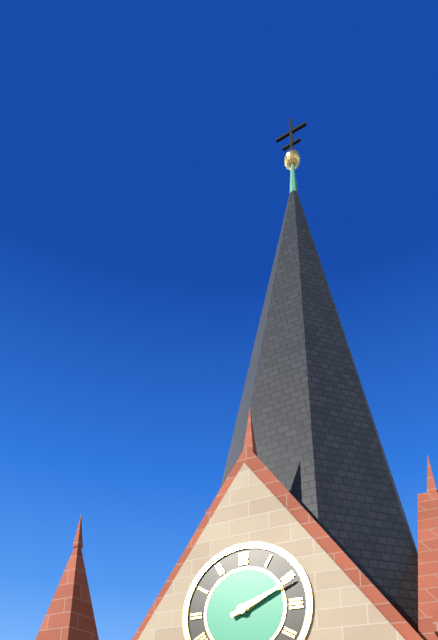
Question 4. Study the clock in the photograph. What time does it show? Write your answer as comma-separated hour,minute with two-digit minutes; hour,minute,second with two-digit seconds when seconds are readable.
2,11
